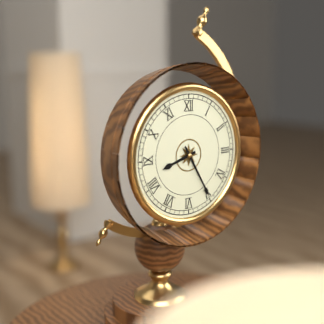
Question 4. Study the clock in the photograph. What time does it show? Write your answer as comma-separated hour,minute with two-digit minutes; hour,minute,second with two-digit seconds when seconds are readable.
8,25
